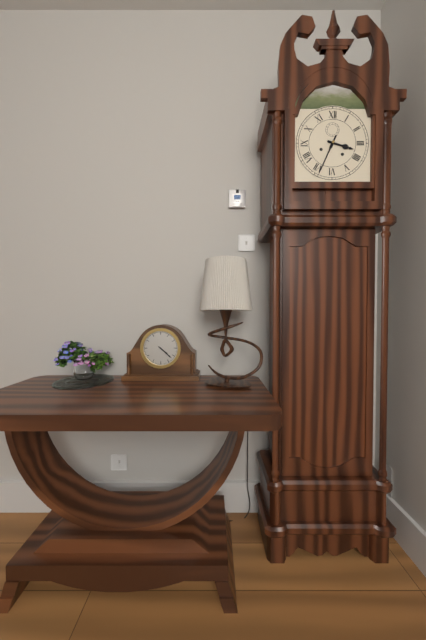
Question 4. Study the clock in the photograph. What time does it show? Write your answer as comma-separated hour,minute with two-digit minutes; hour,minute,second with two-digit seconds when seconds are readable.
3,34
